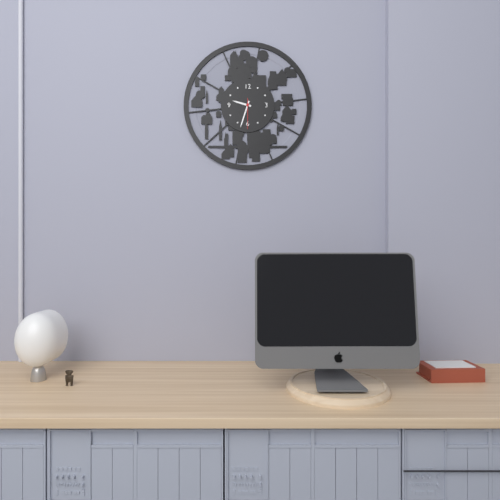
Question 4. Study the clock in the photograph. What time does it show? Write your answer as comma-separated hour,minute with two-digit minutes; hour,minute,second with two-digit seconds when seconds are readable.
9,33
